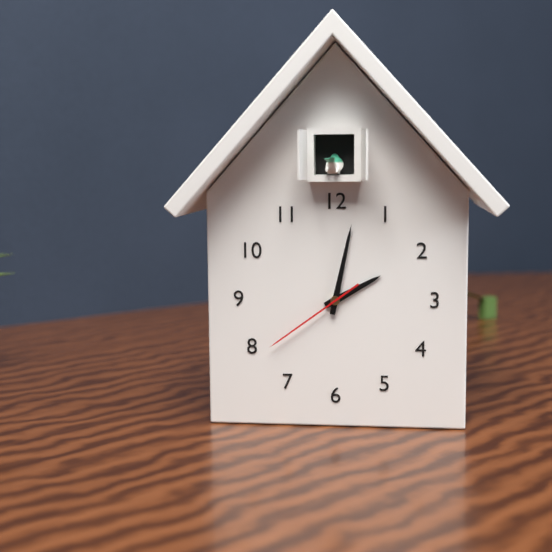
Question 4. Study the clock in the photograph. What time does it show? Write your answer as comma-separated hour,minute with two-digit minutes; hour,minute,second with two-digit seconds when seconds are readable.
2,02,39
